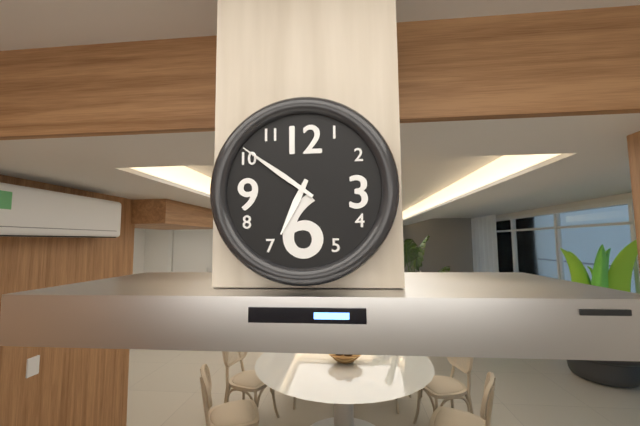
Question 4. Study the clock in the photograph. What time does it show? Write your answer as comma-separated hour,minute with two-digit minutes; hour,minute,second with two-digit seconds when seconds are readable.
6,51
